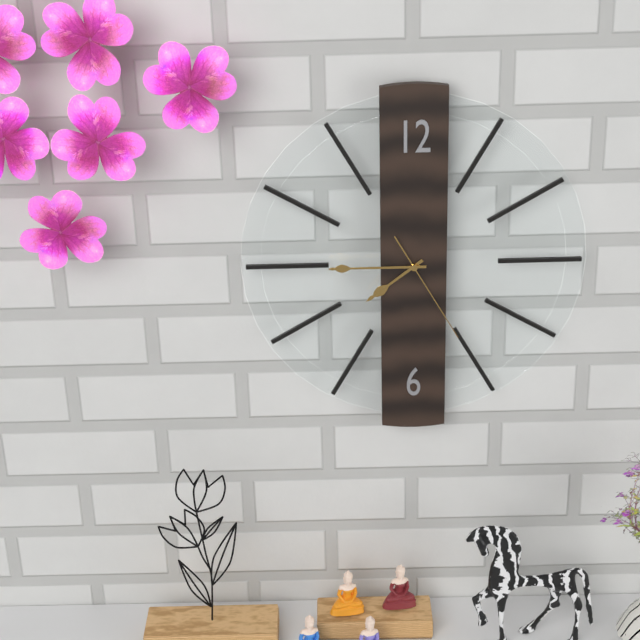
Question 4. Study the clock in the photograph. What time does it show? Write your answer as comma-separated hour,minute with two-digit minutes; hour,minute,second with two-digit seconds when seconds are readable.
7,45,25
